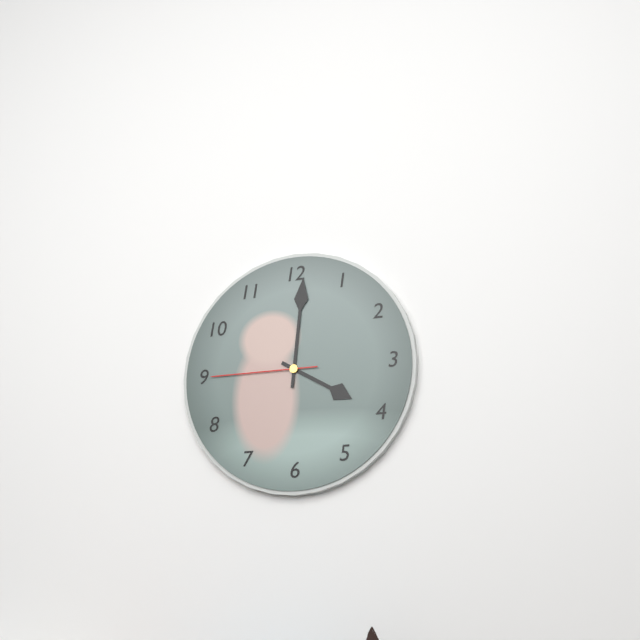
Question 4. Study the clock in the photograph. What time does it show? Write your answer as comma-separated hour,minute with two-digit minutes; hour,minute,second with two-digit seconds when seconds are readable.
4,01,45
